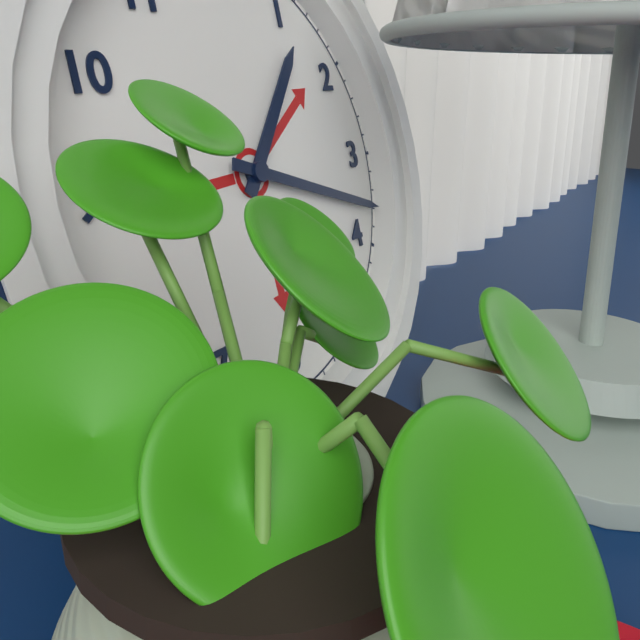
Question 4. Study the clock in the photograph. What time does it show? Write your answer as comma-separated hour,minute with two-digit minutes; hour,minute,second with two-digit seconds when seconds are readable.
1,18
